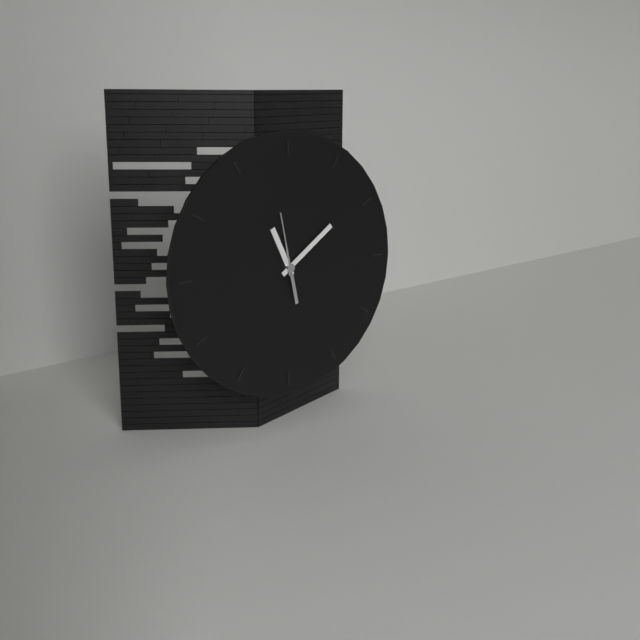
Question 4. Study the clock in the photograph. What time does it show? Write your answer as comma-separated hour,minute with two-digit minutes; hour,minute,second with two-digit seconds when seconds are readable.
11,09,58
